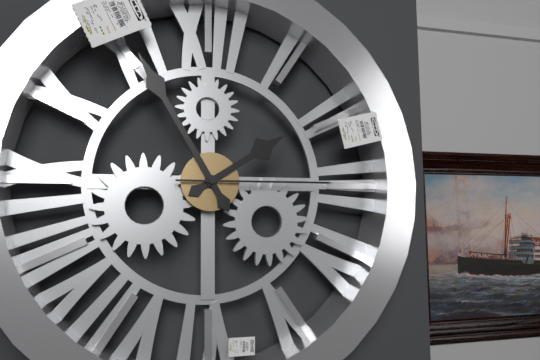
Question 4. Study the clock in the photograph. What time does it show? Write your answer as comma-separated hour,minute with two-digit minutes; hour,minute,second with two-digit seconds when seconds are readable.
1,55,15
